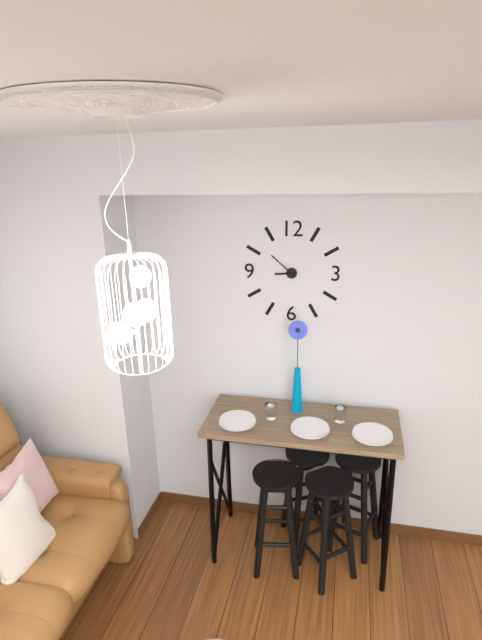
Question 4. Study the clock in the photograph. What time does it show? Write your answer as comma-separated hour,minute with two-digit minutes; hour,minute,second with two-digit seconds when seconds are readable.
8,52
